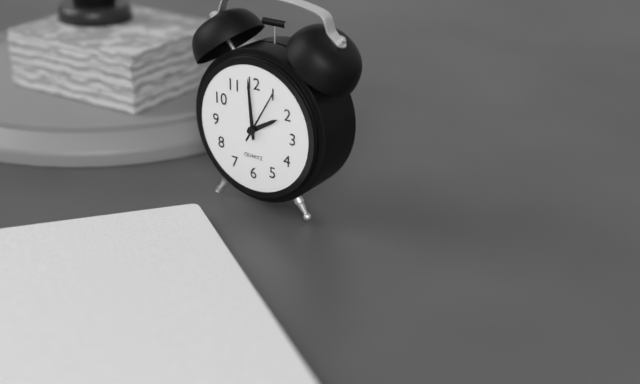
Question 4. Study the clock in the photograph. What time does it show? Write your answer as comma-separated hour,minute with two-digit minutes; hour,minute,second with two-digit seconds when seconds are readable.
1,59,05
